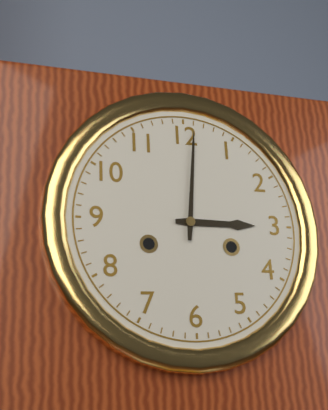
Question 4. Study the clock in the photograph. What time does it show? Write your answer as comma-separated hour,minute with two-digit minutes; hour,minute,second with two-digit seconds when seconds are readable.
3,01
